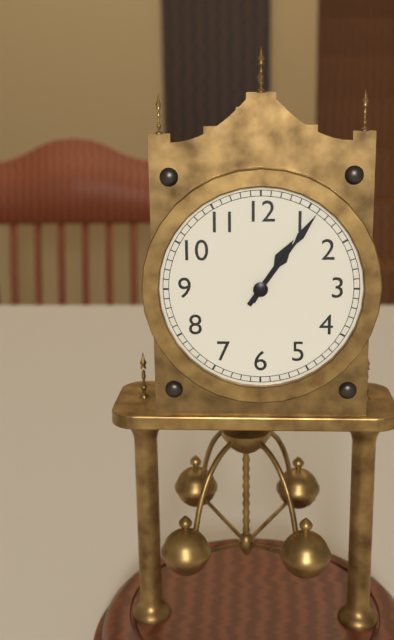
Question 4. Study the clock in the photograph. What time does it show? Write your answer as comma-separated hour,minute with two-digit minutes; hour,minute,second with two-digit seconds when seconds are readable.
1,06
